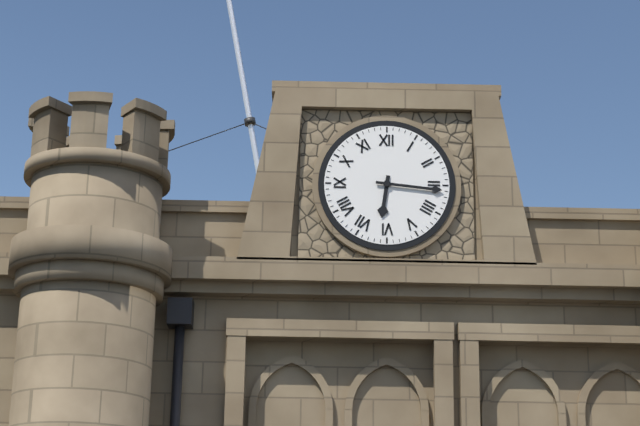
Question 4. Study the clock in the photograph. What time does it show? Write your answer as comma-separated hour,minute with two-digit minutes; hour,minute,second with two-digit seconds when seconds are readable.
6,16
